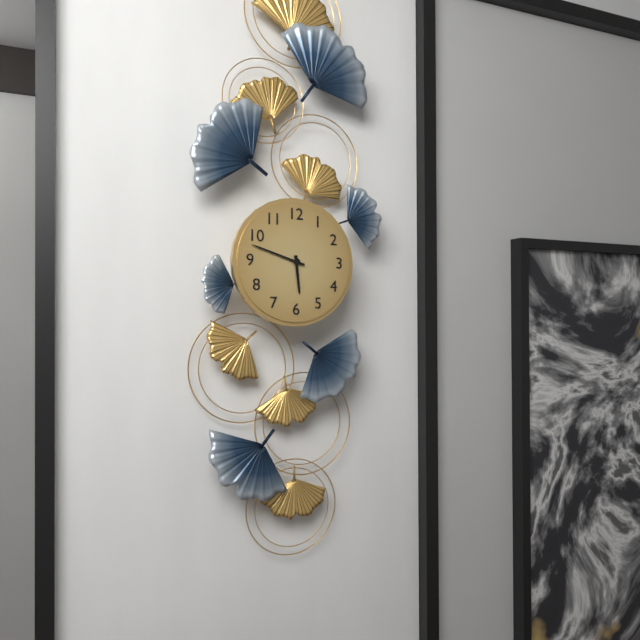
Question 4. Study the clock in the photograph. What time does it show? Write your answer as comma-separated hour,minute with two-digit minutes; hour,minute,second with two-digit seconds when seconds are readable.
5,48
